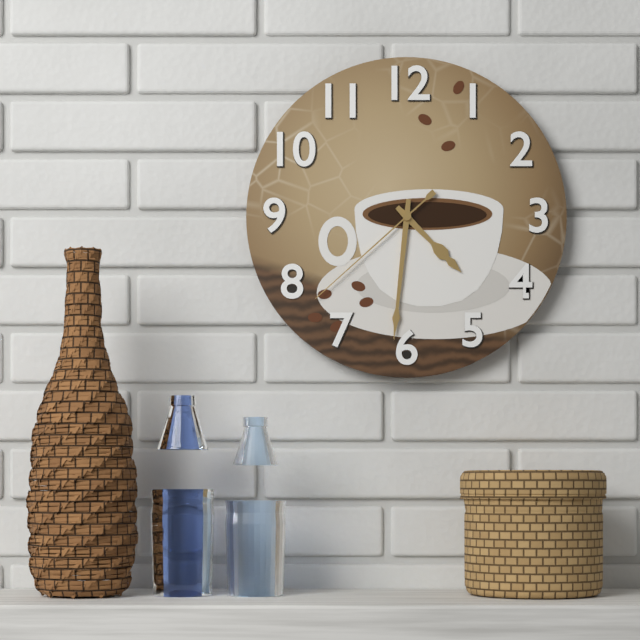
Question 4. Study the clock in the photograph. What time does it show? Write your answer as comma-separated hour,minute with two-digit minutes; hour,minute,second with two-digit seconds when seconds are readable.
4,31,38
